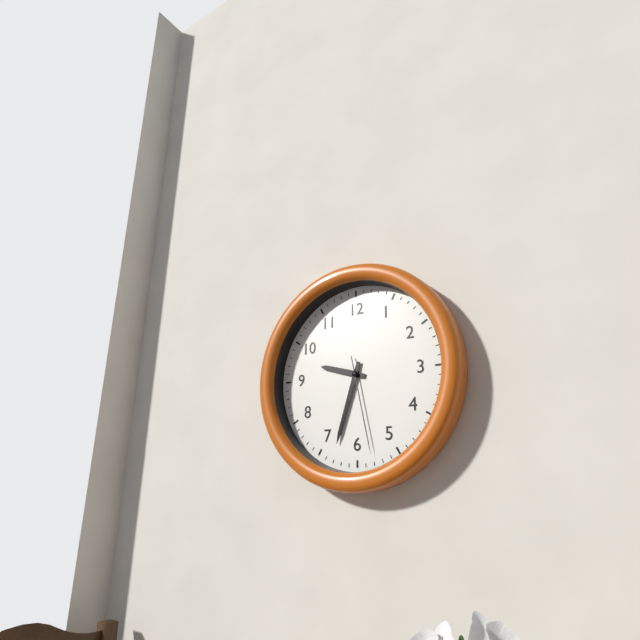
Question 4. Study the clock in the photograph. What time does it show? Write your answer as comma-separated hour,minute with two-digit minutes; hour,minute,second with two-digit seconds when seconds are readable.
9,33,28
